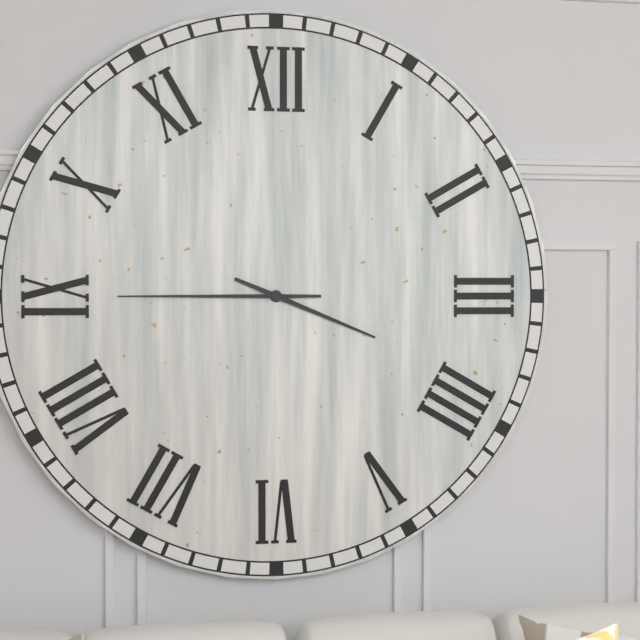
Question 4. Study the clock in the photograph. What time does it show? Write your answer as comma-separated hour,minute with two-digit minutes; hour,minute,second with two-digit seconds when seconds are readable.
3,45
